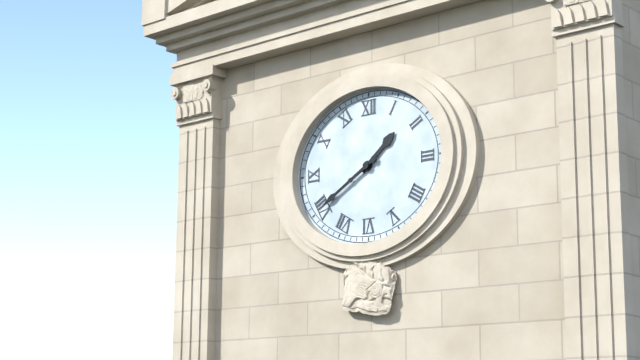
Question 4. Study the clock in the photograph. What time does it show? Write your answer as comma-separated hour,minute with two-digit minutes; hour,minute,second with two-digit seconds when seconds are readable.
1,40
